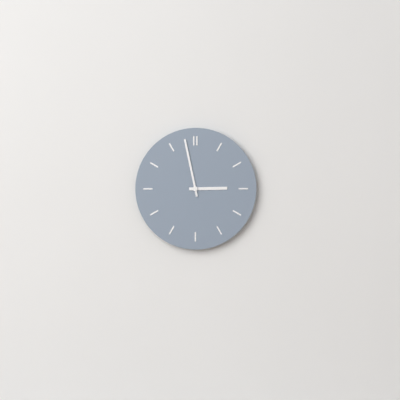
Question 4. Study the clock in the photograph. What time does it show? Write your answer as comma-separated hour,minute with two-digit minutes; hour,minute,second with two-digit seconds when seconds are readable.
2,58
